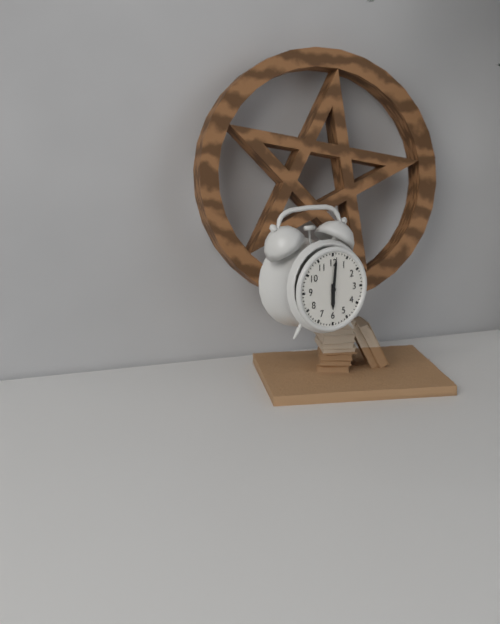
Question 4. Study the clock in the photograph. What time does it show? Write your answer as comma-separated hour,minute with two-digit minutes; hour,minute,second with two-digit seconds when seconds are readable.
6,01
